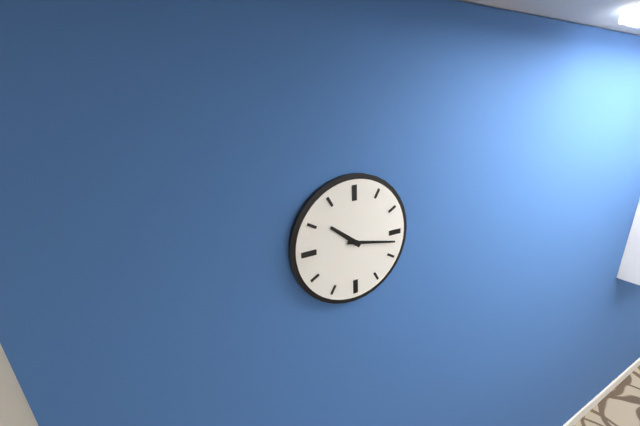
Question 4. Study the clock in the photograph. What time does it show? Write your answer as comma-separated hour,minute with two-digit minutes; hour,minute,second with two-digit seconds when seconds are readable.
10,17
